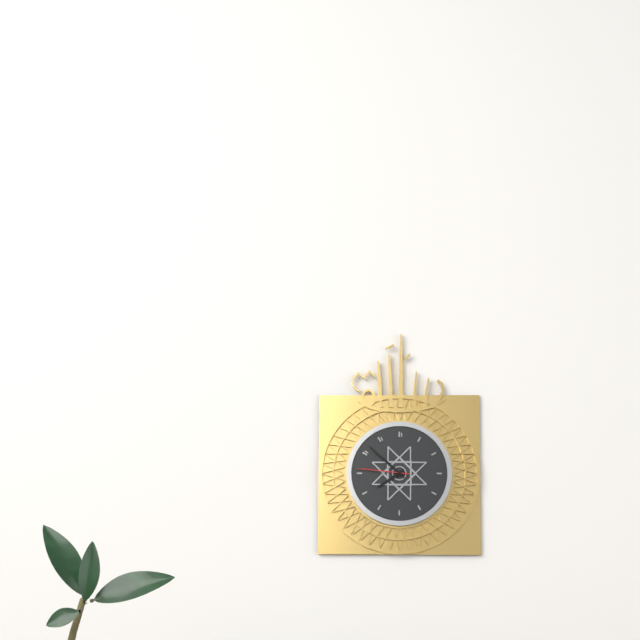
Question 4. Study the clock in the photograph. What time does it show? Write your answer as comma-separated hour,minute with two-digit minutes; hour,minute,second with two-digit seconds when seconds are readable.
7,52,46
